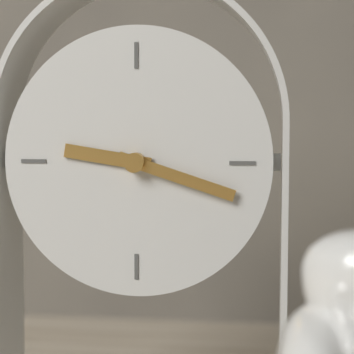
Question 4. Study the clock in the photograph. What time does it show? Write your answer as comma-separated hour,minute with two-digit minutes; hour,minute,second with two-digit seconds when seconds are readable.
9,18
